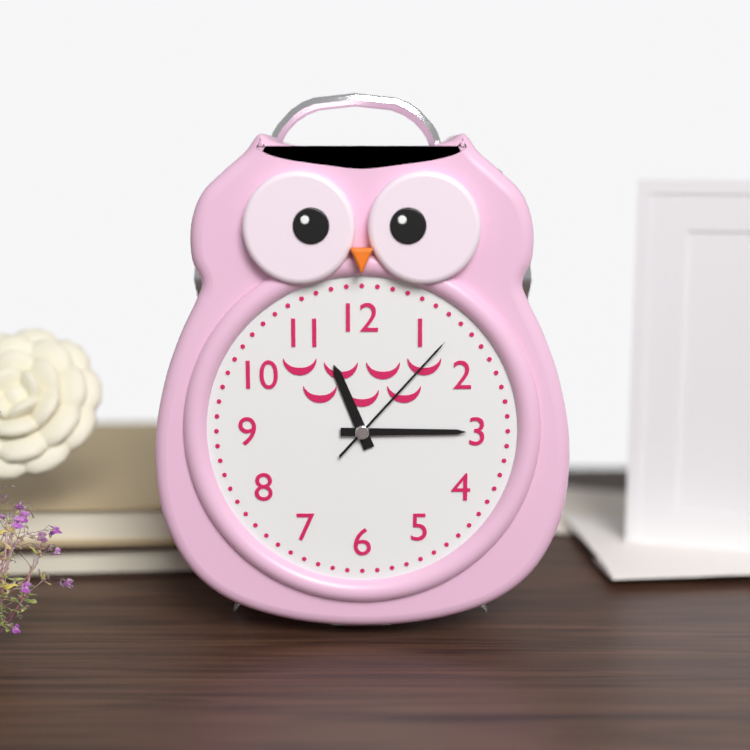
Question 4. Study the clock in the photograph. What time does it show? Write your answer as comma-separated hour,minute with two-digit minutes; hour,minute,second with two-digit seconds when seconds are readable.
11,15,07
